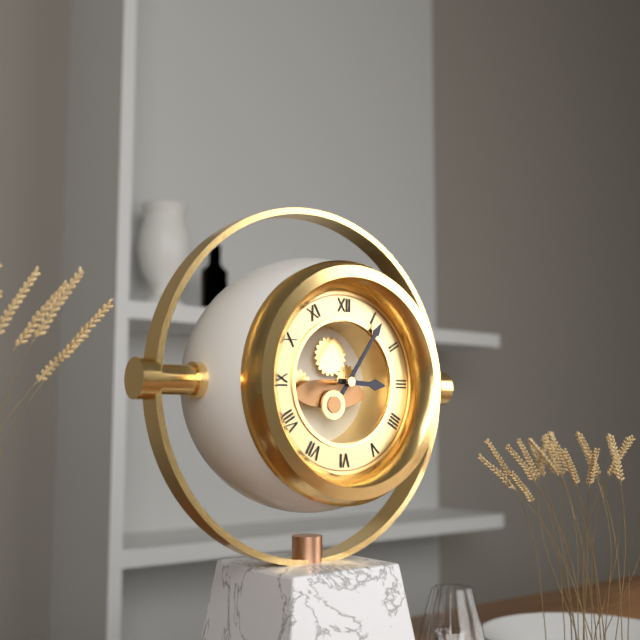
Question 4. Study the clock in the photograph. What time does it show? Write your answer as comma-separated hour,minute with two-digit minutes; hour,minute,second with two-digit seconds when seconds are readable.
3,06
